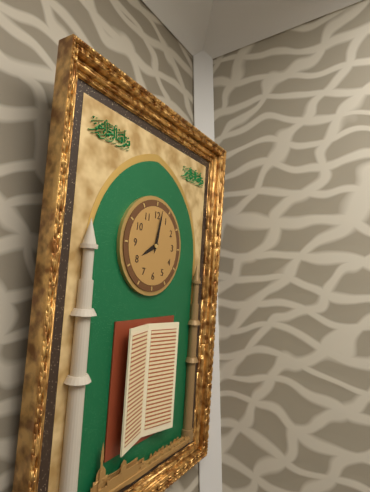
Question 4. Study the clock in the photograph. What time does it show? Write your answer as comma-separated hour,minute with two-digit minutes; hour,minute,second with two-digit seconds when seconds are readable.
8,02
